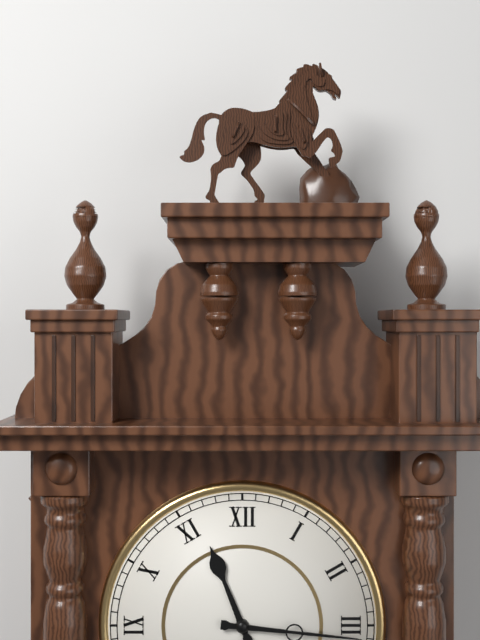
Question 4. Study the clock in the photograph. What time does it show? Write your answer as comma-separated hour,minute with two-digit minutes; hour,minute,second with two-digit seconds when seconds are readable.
11,16
